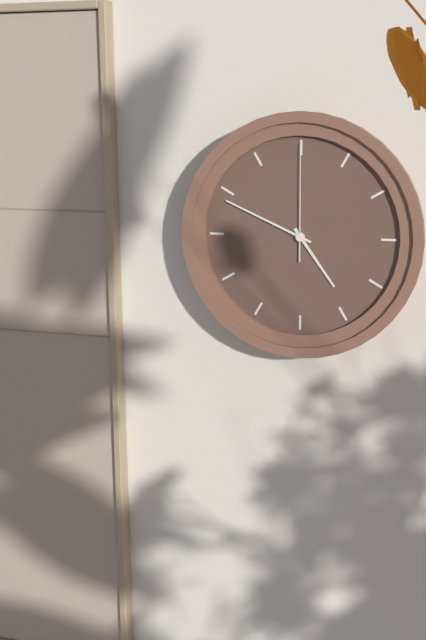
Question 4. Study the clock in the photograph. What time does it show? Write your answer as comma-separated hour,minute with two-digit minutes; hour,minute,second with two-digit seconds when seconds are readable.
4,49,00
